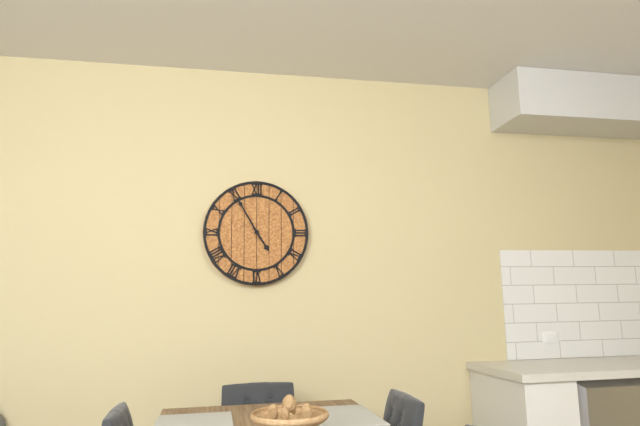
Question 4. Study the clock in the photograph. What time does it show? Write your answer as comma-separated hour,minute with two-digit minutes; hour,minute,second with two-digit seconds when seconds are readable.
4,55
